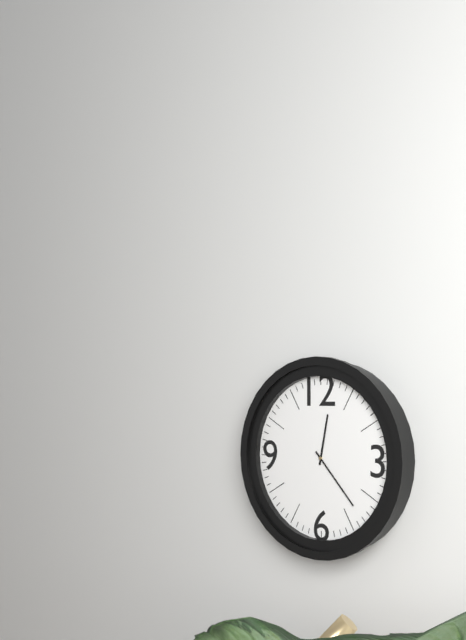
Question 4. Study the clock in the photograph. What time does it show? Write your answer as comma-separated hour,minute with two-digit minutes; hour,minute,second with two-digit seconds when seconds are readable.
12,23
